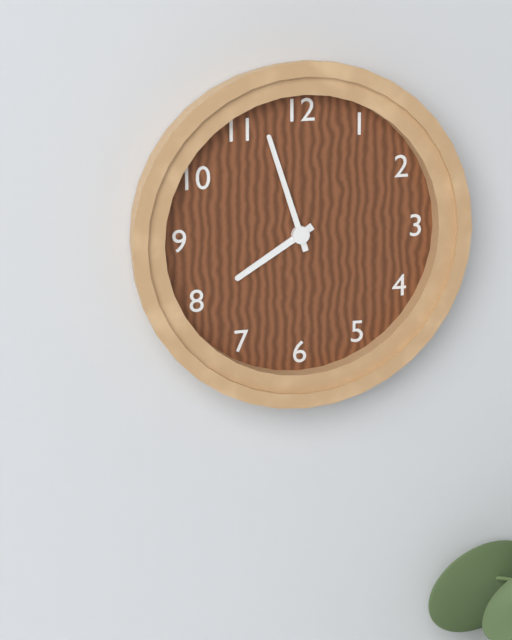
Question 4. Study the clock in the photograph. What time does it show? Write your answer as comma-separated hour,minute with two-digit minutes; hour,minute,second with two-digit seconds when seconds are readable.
7,57
